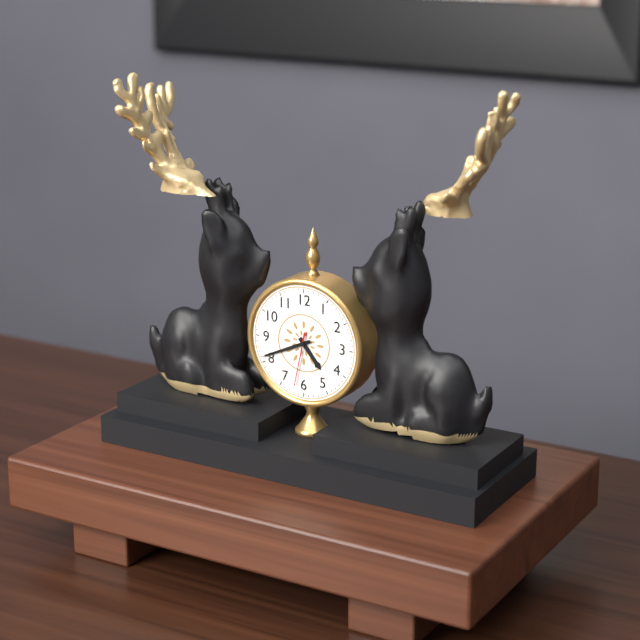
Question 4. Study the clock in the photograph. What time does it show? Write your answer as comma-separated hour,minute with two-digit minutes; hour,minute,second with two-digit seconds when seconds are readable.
4,41,32
